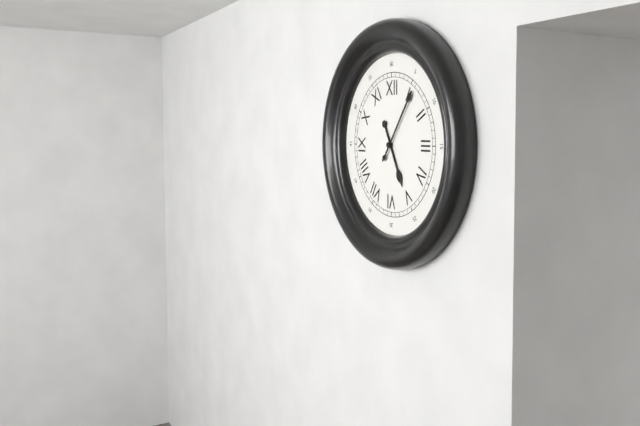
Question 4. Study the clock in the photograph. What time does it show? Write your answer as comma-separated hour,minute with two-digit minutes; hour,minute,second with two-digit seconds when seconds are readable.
5,06
